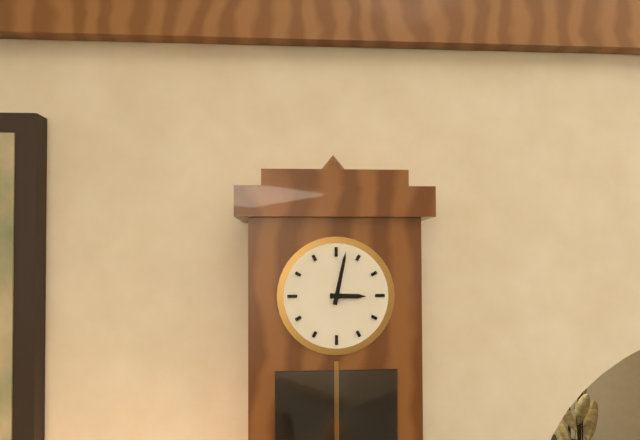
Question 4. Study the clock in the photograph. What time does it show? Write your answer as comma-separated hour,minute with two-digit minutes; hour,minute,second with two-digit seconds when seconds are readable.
3,02
